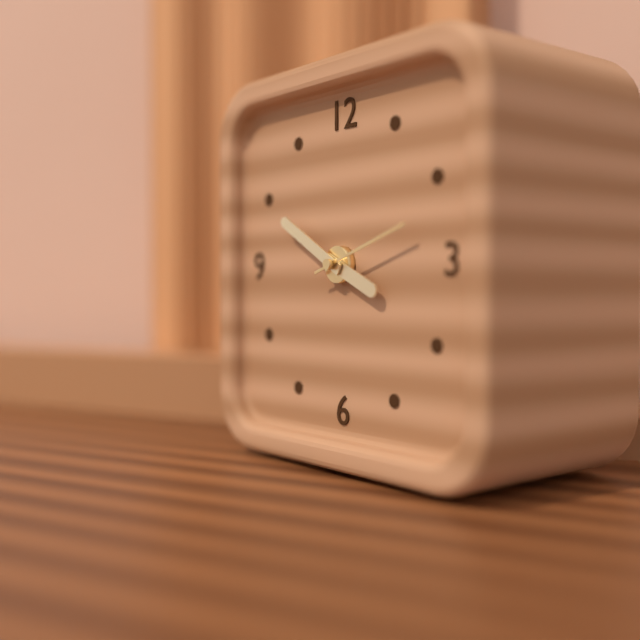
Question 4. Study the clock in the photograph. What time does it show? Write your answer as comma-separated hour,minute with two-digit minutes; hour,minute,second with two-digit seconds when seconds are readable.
3,50,12
